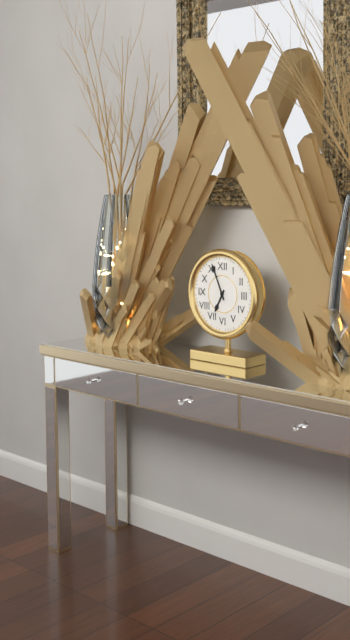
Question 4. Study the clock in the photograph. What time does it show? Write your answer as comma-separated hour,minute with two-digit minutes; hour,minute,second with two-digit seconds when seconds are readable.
6,56
